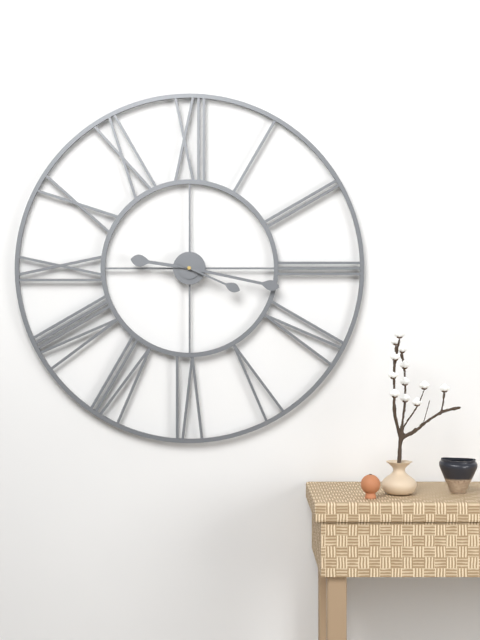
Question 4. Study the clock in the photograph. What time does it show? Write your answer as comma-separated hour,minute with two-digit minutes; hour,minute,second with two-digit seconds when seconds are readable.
9,17,19
